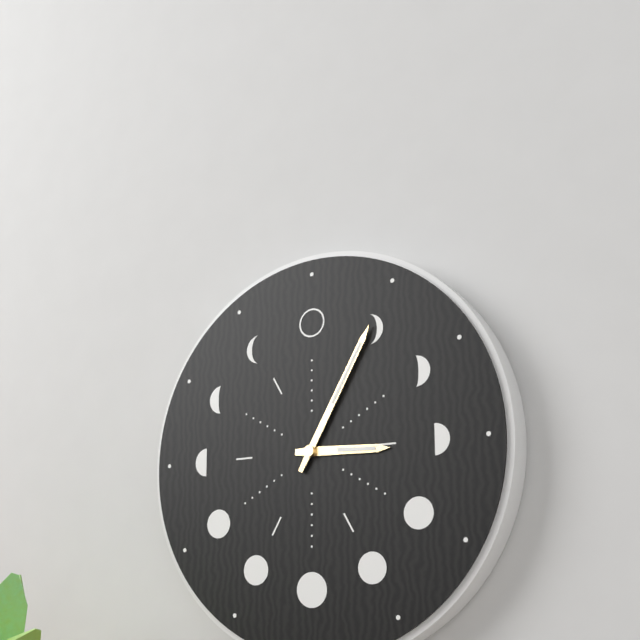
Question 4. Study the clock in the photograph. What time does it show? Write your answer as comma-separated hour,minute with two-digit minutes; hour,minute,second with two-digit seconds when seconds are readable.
3,05
